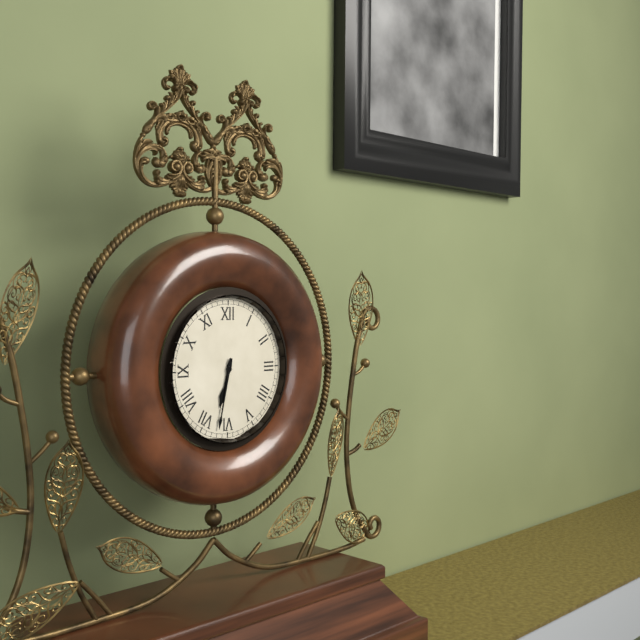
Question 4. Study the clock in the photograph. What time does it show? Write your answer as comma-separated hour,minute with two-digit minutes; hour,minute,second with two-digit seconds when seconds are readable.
6,32
